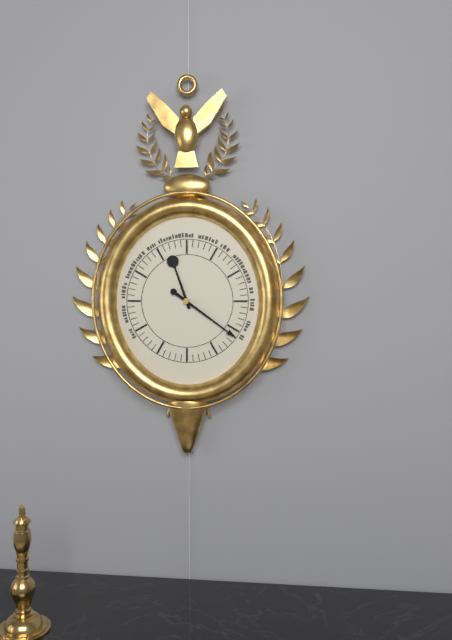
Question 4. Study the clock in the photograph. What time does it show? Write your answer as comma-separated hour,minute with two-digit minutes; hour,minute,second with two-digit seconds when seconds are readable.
11,21
